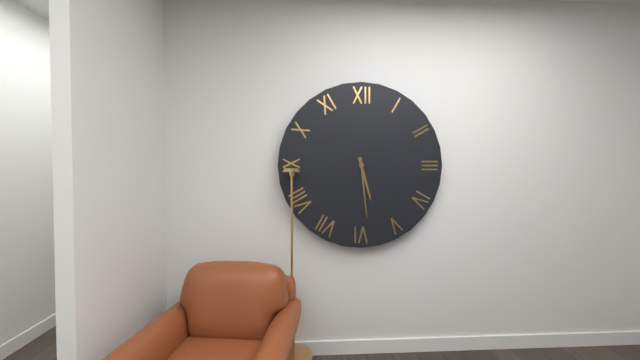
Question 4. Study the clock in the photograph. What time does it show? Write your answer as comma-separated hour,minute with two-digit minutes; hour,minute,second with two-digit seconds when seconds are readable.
5,29
